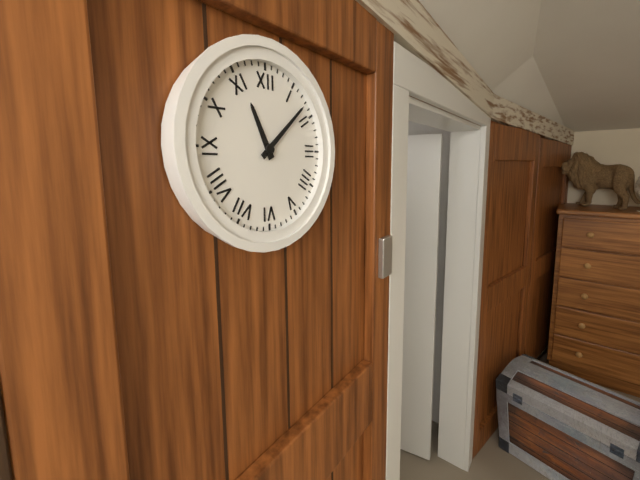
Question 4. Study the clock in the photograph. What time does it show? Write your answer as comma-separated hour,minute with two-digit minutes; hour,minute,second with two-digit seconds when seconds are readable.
11,08
